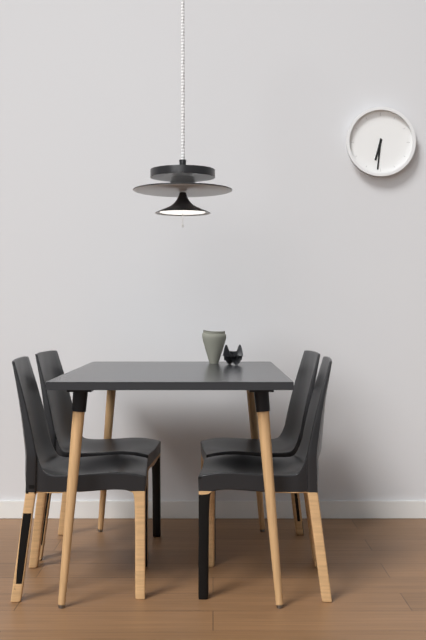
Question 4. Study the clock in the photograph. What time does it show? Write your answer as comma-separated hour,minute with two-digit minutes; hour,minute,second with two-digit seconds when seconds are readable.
6,31
